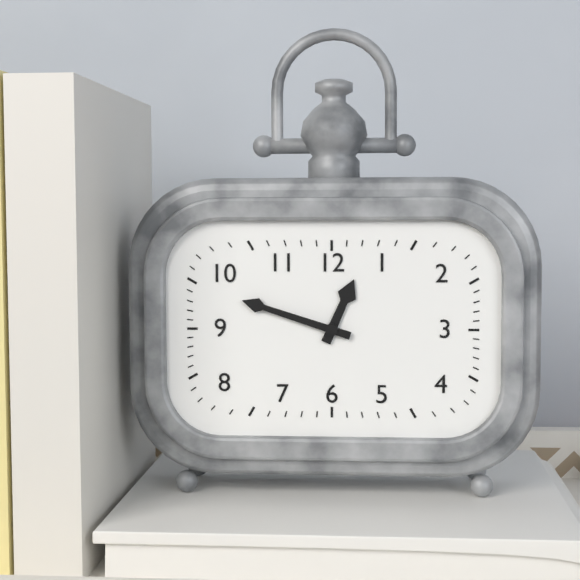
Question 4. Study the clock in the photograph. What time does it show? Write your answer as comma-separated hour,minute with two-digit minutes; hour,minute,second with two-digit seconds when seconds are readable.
12,48
